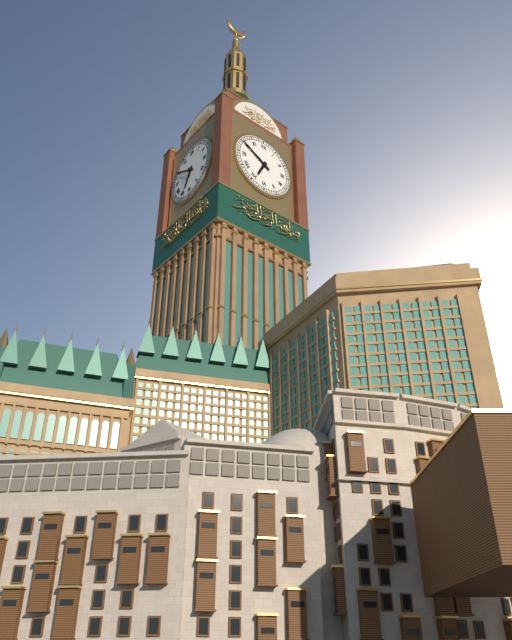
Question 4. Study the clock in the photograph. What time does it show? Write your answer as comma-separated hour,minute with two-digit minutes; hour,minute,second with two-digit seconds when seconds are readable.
6,50
